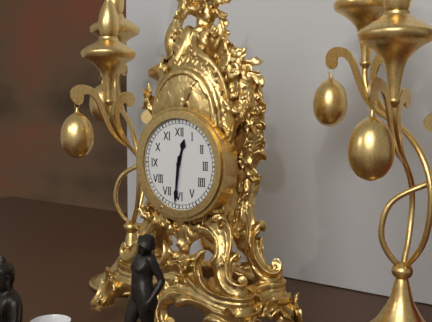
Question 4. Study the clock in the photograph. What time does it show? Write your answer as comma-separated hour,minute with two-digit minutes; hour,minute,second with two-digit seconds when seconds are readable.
12,31
